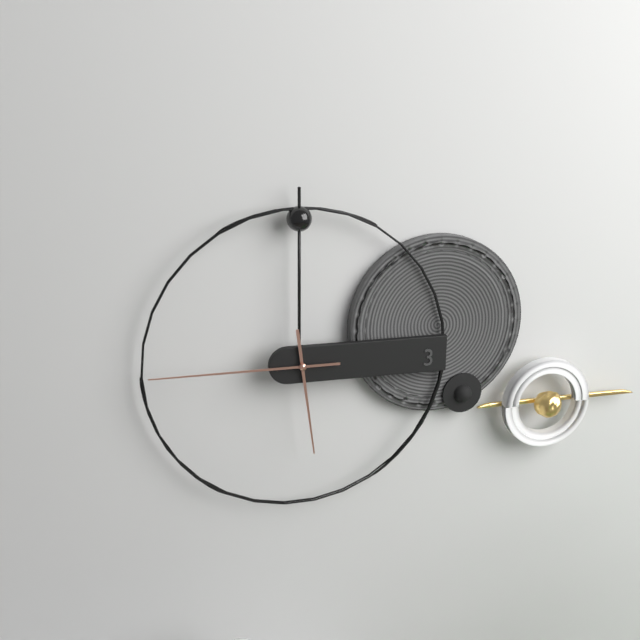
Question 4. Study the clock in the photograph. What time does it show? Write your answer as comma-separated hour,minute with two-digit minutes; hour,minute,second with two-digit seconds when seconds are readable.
5,45
